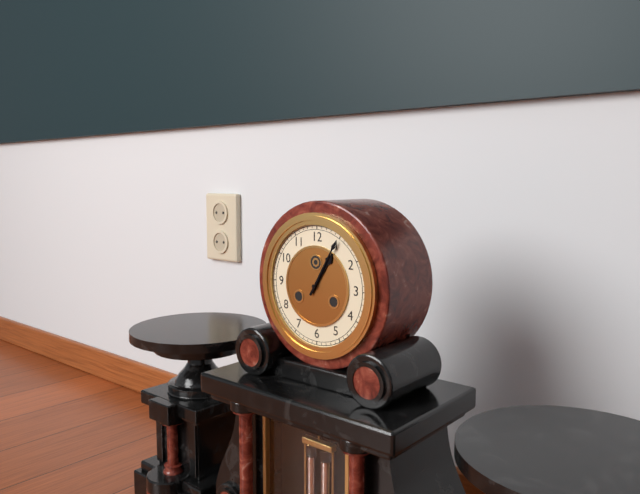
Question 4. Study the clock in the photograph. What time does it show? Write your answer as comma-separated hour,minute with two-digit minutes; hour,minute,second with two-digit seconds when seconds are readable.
1,05
